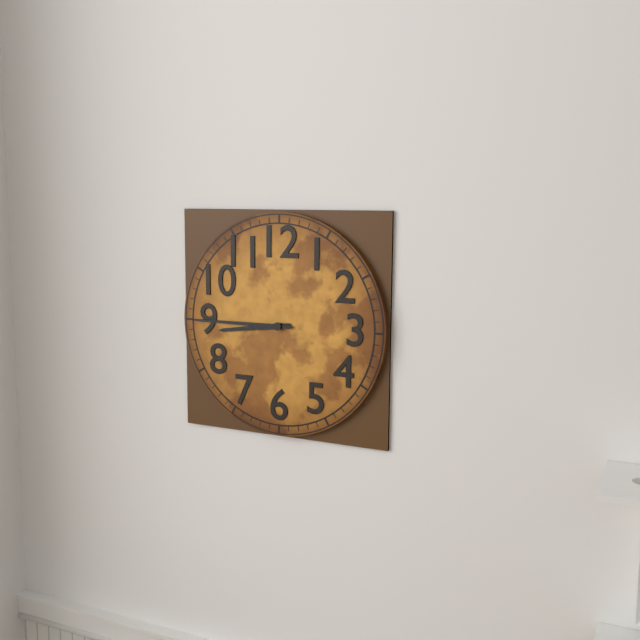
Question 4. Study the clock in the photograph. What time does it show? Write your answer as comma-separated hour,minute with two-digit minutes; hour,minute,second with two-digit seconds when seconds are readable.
8,45
